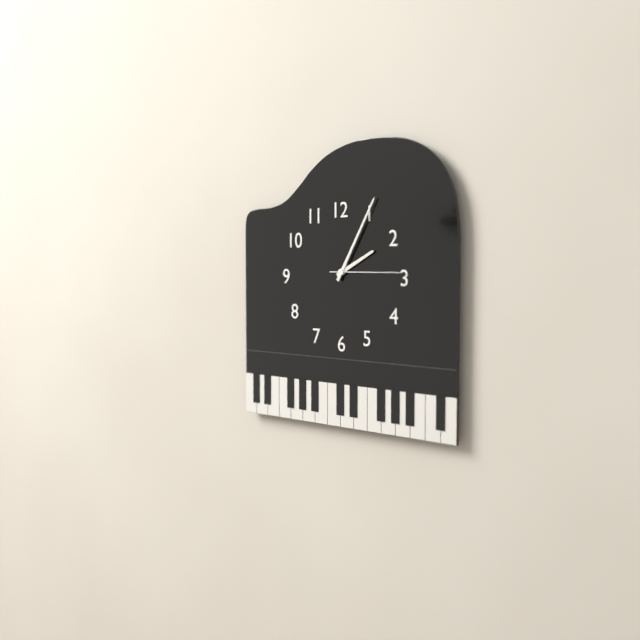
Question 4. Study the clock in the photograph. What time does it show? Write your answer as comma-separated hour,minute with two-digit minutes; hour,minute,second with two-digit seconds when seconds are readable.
2,05,15
